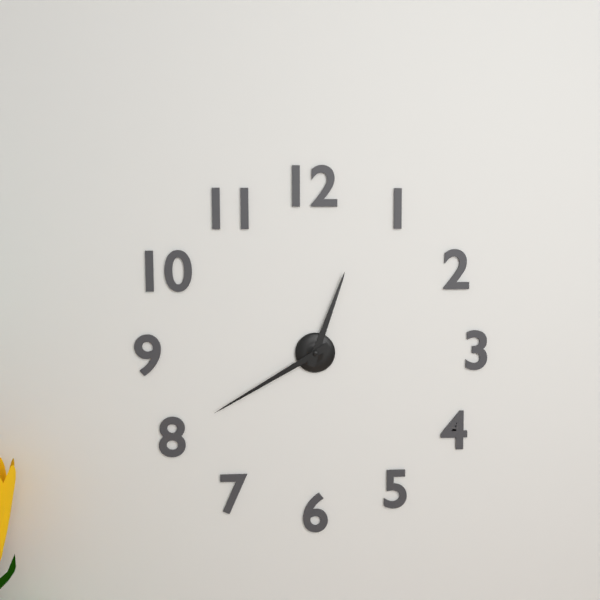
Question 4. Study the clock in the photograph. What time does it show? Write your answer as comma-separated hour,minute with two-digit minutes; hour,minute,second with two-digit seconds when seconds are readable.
12,40
